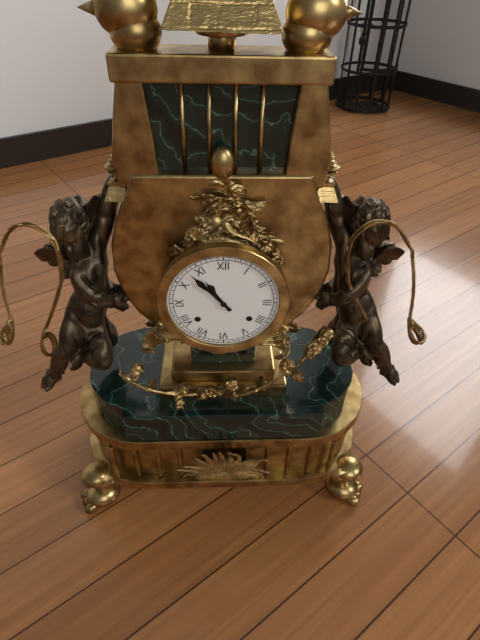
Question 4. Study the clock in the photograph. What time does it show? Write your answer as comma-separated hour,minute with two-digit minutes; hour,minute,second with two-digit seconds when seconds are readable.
10,53
